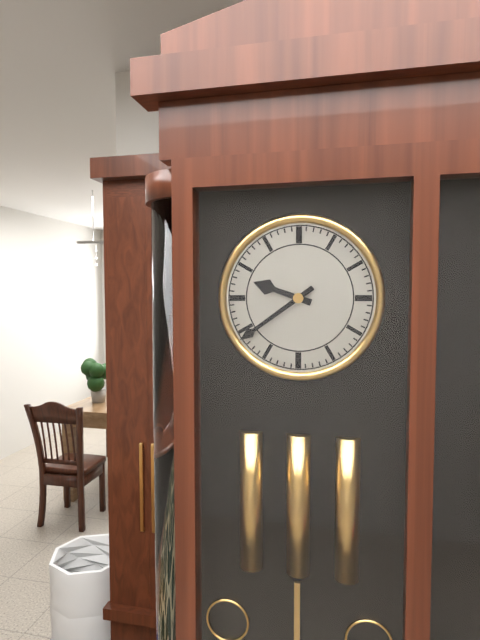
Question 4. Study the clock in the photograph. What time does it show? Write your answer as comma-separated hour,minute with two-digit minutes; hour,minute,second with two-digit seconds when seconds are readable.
9,39
